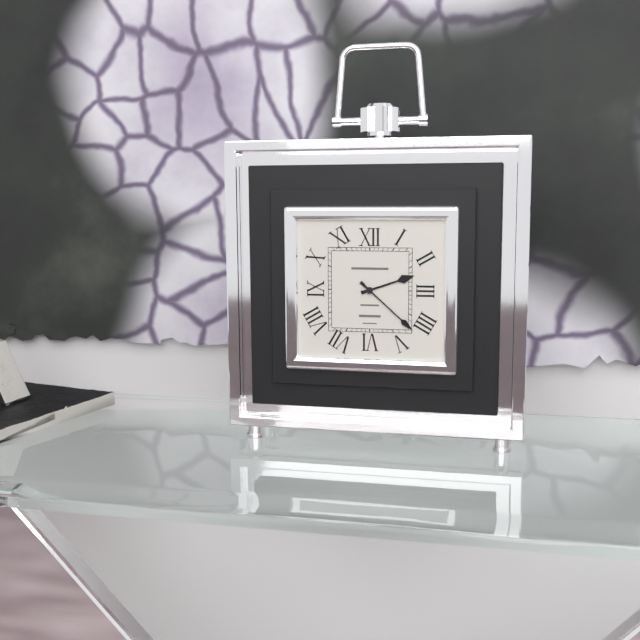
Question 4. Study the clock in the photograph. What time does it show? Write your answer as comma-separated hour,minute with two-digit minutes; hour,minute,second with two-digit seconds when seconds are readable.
2,22
